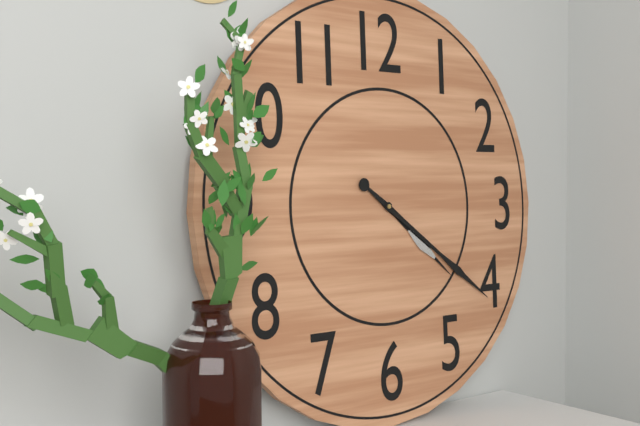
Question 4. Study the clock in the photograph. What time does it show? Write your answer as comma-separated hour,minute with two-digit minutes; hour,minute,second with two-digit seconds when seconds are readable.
4,21
